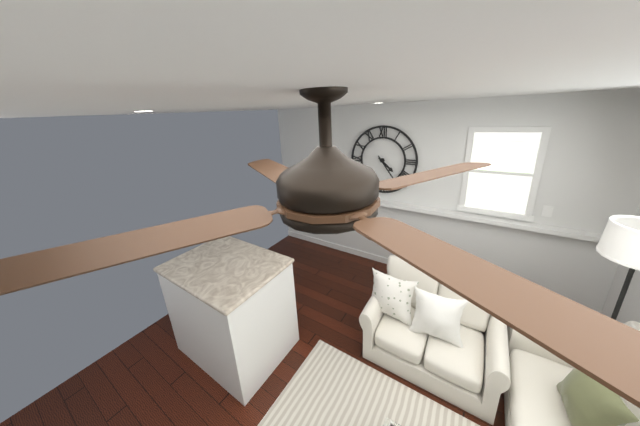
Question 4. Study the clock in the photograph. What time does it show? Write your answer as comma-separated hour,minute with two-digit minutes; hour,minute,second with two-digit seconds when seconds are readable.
4,24
